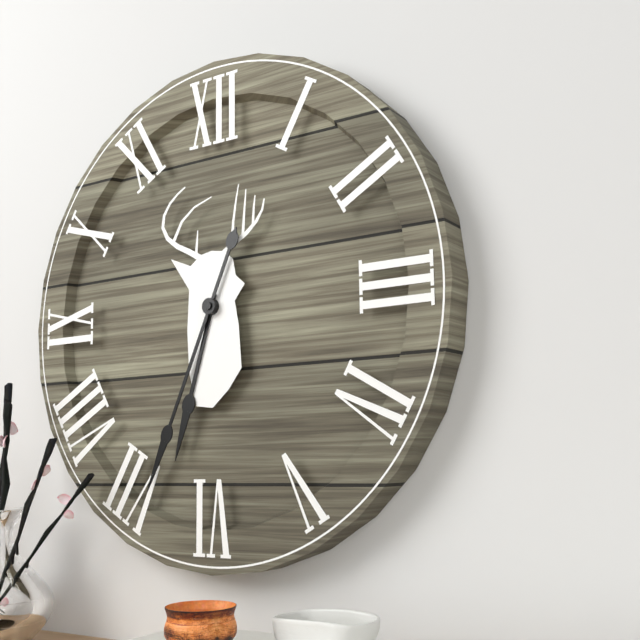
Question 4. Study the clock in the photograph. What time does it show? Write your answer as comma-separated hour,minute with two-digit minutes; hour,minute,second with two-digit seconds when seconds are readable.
6,34
